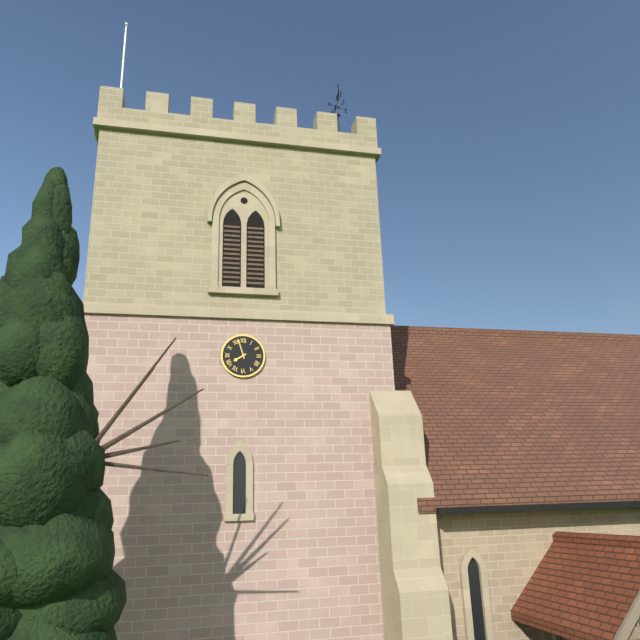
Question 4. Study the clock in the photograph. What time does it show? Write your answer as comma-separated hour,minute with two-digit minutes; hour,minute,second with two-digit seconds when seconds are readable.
7,57
